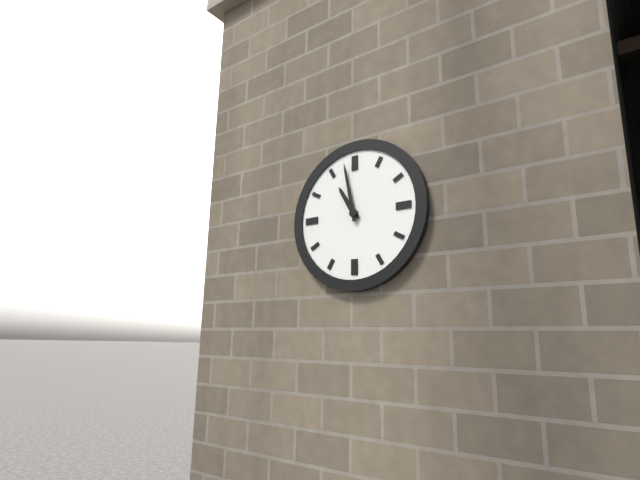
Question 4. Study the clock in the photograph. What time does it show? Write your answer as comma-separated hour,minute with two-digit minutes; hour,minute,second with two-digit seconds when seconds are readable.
10,58
